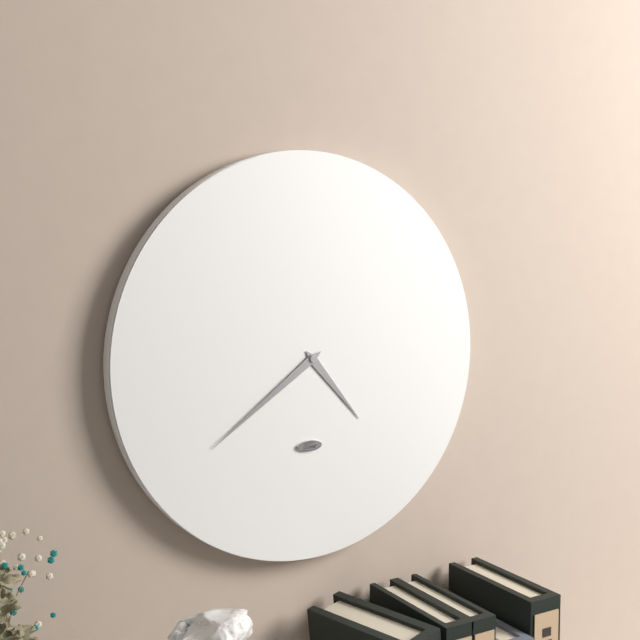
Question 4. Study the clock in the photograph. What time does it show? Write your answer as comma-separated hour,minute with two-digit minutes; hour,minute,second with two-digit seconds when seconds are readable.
4,39
